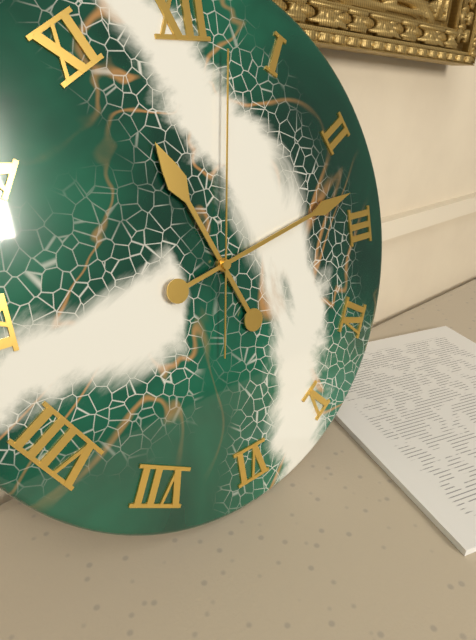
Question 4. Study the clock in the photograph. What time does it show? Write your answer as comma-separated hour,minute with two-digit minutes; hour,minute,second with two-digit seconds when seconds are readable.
11,13,02
